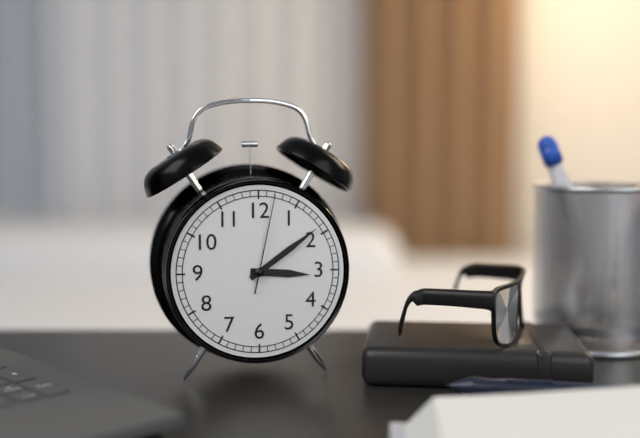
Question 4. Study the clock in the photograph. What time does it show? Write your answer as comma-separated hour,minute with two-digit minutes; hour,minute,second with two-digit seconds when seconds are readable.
3,09,02
